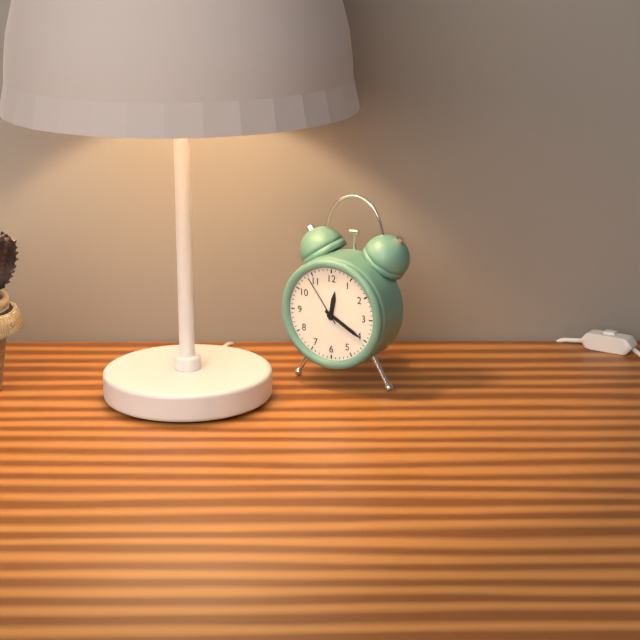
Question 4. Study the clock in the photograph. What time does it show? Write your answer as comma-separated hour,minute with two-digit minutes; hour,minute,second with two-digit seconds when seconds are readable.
12,20,54
